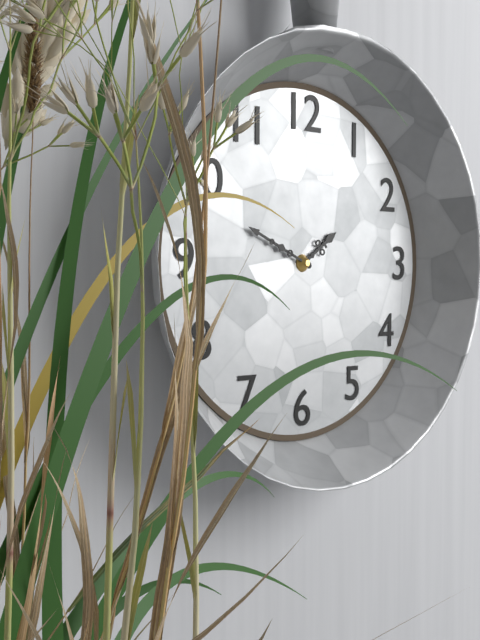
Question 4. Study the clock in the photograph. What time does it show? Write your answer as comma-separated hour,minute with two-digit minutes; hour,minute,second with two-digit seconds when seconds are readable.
1,49
